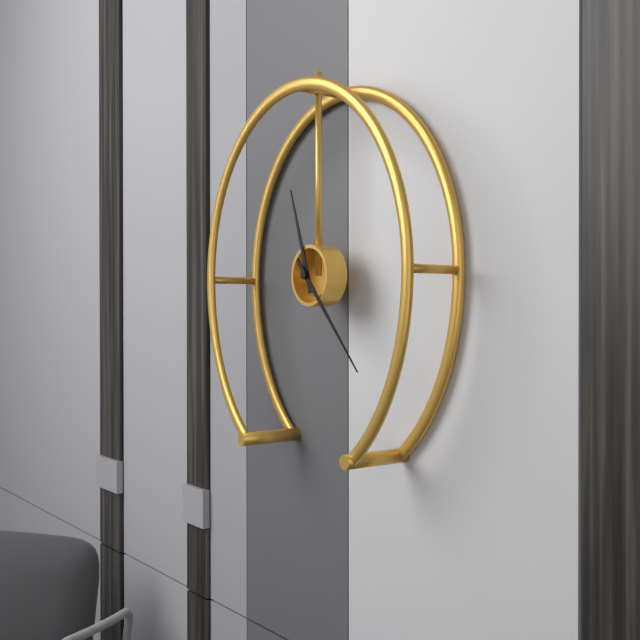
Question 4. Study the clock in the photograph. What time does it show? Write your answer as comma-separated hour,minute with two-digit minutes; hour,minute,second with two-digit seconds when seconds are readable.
11,23
